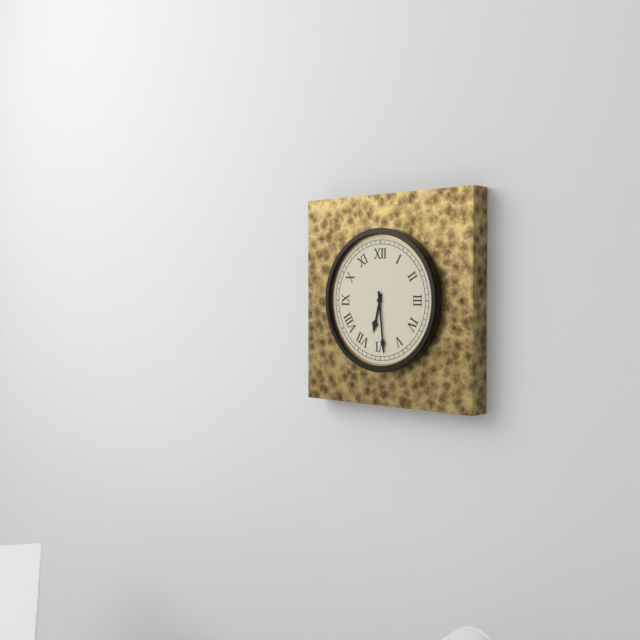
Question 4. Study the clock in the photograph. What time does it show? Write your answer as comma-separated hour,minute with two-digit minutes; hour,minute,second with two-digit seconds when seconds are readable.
6,29
